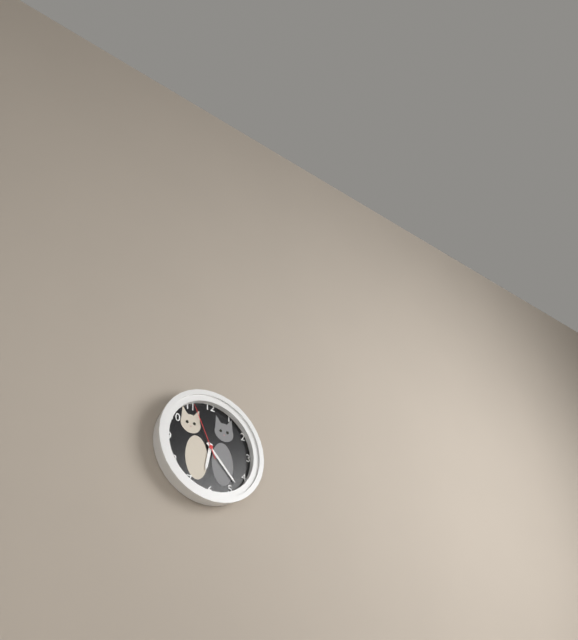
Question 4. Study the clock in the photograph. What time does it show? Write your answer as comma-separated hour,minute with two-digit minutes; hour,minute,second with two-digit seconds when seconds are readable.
6,23,56
